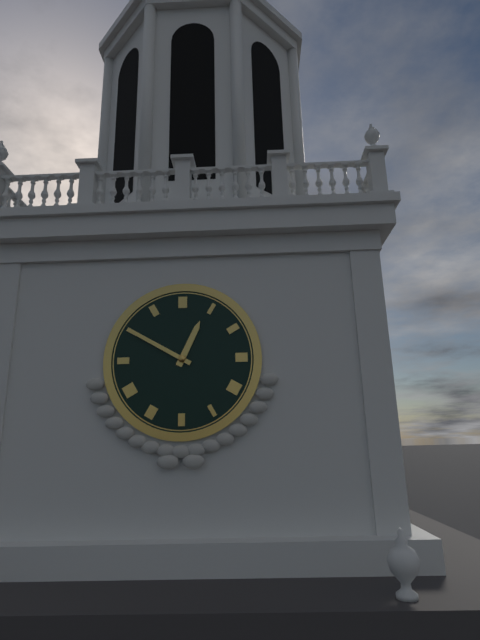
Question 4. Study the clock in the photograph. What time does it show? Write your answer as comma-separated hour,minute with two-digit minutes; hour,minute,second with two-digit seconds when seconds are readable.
12,50
